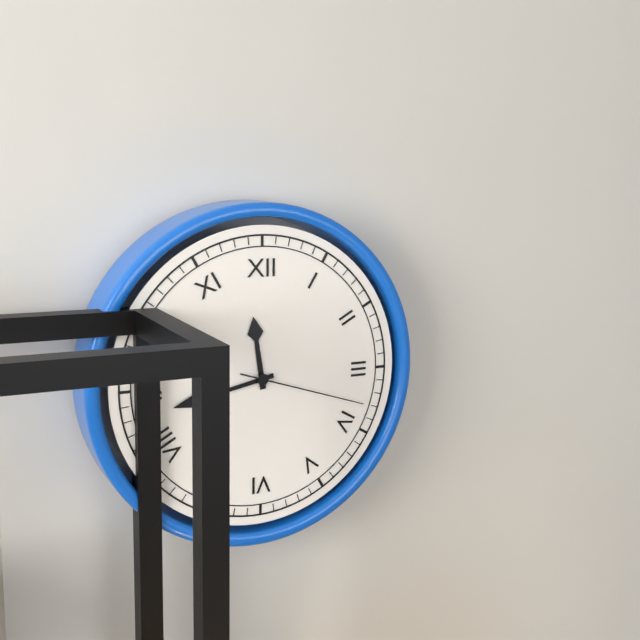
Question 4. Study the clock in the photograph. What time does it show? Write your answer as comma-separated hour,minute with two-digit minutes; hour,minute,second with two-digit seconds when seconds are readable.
11,43,18
